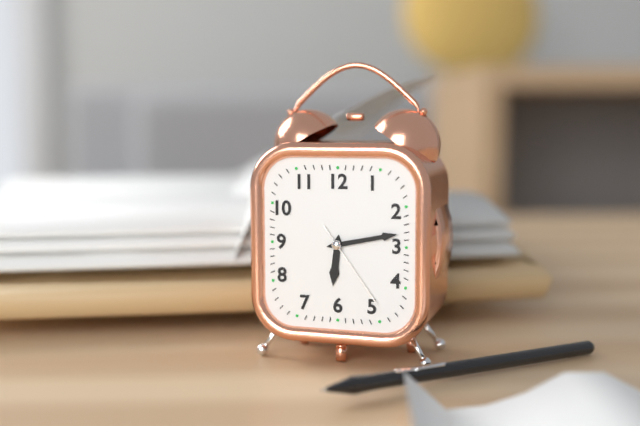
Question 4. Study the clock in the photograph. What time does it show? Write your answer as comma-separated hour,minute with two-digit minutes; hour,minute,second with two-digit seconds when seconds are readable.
6,13,24
